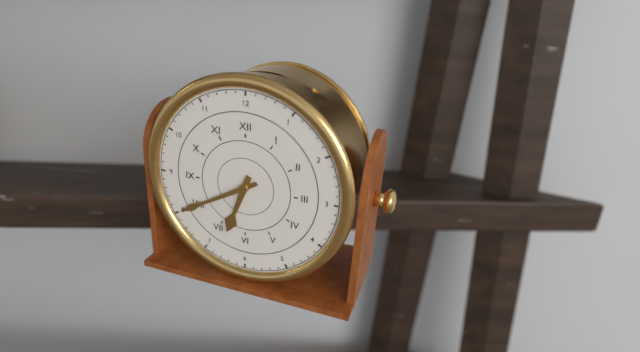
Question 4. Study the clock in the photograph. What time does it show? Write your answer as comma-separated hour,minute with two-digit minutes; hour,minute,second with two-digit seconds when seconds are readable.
6,40
